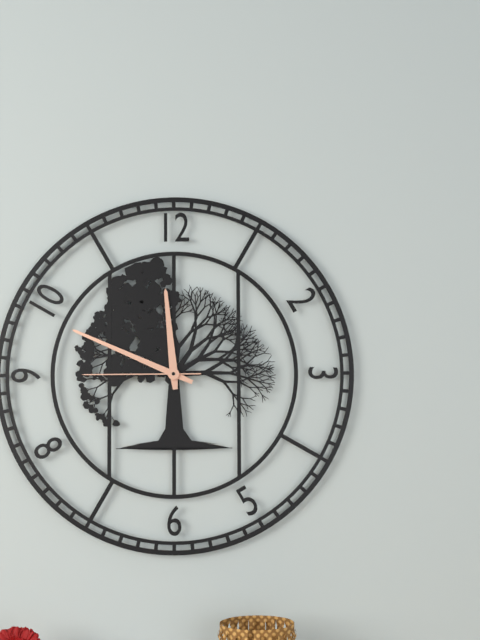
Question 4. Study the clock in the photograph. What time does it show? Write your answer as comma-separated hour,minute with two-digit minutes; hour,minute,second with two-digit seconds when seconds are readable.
11,49,45
